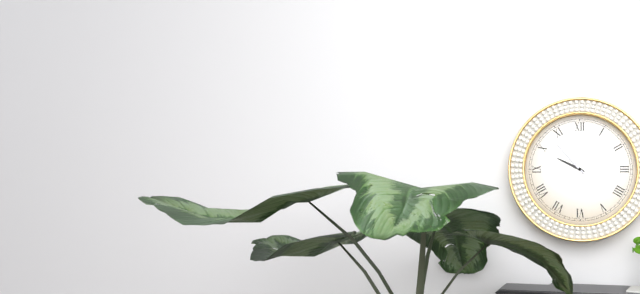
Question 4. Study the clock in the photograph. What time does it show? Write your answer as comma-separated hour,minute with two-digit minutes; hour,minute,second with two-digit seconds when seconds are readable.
9,53
